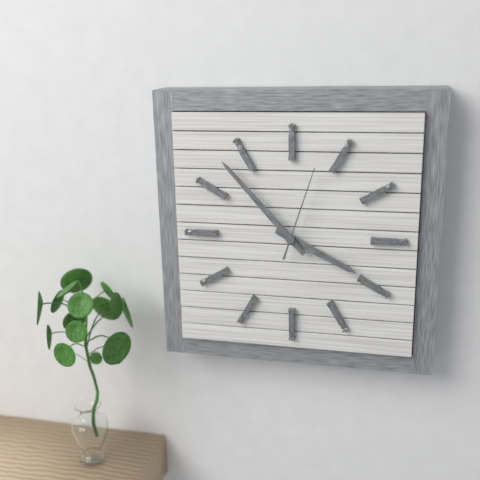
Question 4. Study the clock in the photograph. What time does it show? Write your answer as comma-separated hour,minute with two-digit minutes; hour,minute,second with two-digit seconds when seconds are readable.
3,53,03
